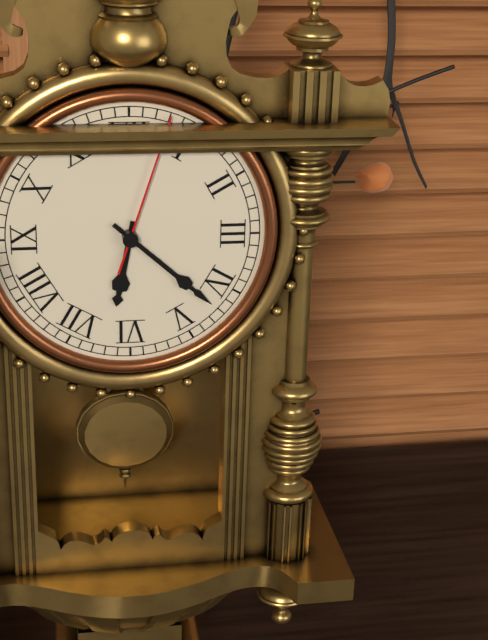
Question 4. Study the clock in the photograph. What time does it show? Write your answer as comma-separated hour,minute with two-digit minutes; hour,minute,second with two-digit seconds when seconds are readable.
6,22,03
